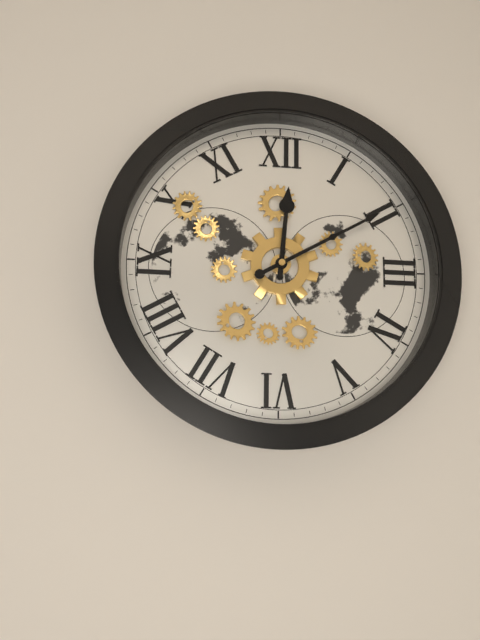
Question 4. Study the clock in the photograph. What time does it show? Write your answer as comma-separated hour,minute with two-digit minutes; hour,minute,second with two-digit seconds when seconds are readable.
12,10
